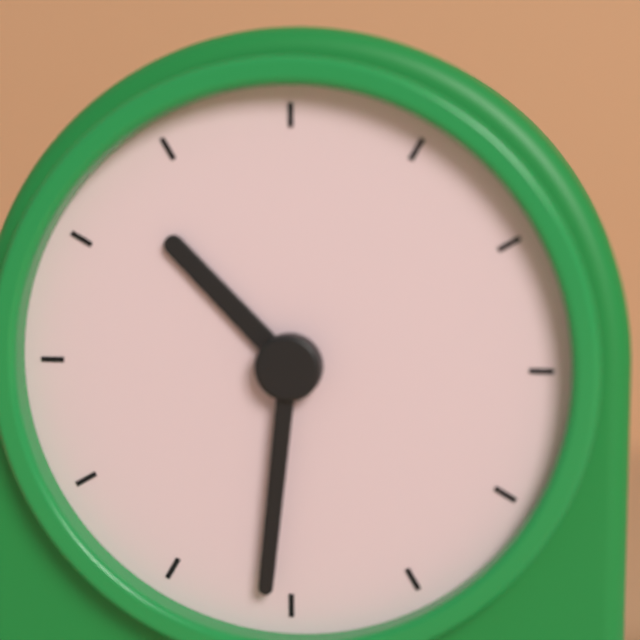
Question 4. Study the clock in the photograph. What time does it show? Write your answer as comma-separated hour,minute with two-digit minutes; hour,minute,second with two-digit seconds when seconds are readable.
10,31
